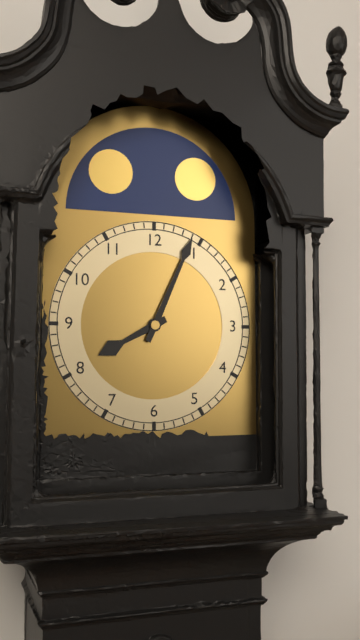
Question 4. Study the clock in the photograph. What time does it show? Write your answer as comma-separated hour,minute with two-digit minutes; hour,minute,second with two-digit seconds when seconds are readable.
8,04
